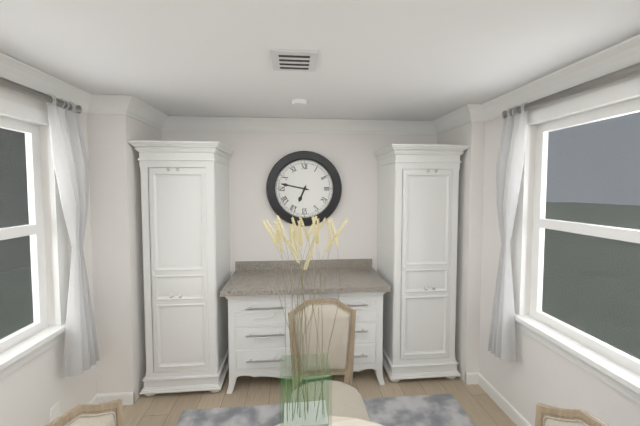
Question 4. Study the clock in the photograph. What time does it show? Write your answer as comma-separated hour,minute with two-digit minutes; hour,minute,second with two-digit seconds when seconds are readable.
6,47
